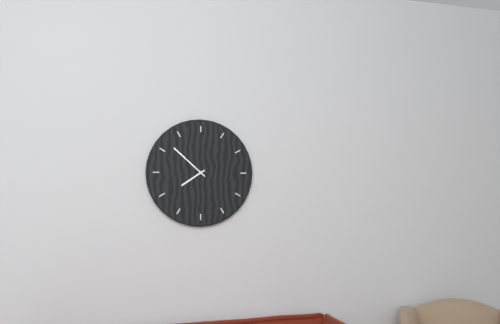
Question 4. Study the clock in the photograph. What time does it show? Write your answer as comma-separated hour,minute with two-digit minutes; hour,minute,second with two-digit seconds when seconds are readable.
7,52
